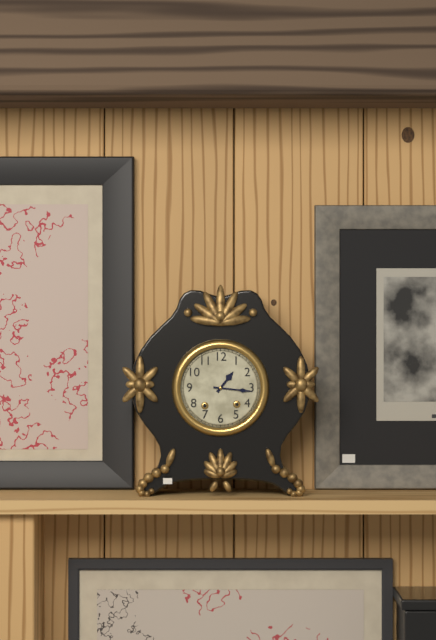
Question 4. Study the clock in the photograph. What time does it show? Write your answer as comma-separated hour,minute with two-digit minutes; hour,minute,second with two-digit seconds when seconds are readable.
1,16
